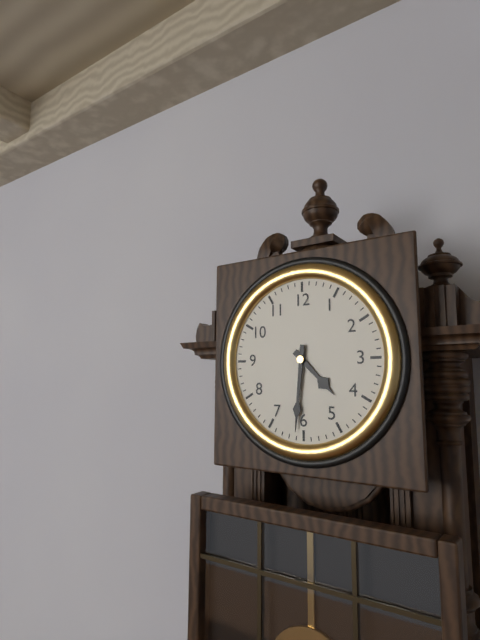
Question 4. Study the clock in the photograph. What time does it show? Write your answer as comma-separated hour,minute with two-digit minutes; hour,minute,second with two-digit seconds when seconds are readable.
4,31
